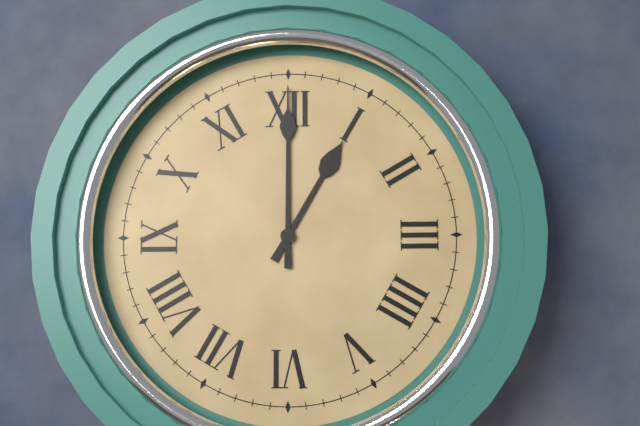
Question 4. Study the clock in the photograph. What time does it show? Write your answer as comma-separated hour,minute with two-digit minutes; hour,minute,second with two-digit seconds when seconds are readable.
1,00
